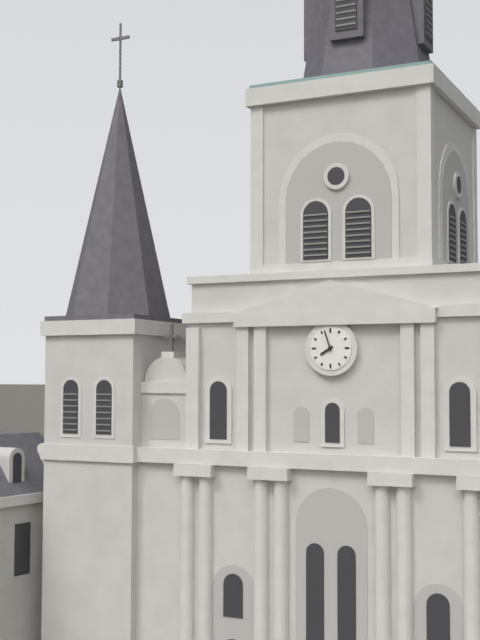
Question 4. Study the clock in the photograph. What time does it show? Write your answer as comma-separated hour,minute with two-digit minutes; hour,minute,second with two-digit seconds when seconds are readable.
7,57
